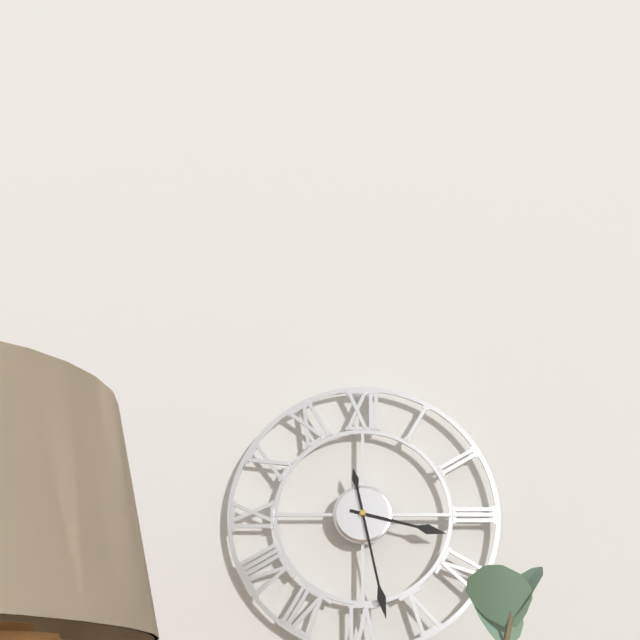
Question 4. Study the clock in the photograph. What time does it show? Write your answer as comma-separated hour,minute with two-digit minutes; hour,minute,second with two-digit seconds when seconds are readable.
3,28
